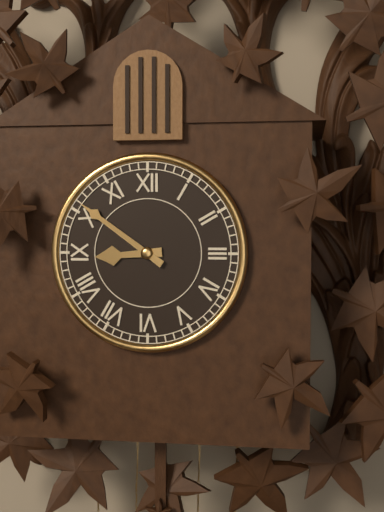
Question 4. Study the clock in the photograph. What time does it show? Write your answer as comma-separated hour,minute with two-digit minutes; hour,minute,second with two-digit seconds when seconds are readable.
8,51
